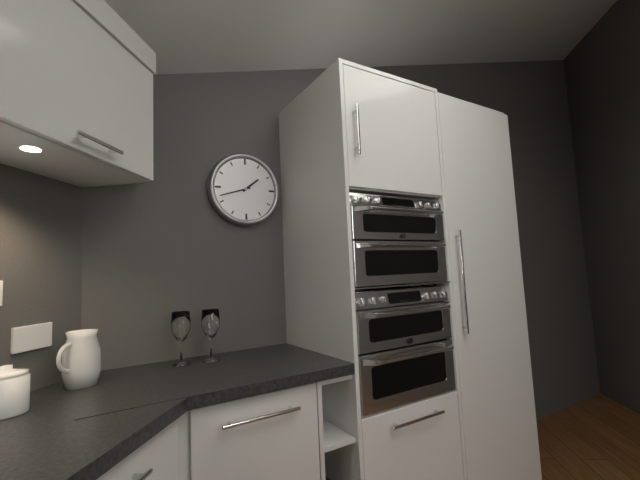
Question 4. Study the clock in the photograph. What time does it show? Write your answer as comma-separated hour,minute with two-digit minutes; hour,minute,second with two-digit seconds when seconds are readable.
1,42
